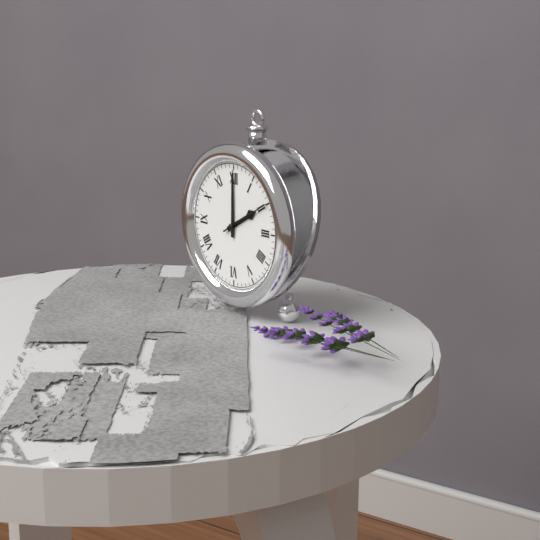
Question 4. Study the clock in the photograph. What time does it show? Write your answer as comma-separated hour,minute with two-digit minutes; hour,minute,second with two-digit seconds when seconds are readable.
2,00,10
